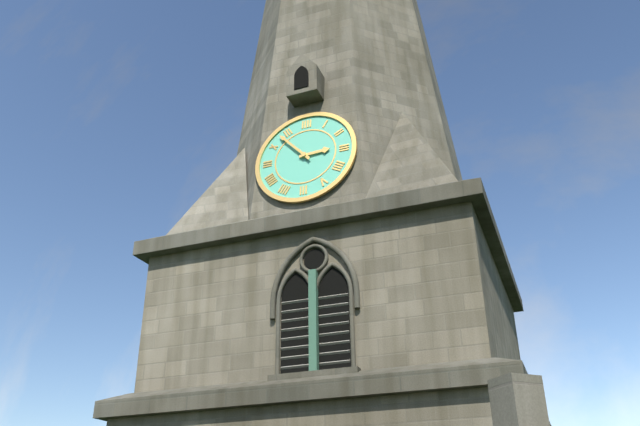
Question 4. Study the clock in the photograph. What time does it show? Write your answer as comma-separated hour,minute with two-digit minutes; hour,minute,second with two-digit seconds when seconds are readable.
2,53
